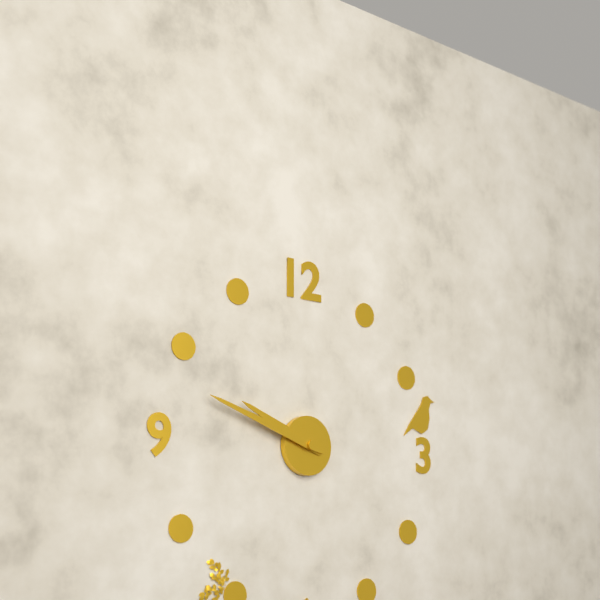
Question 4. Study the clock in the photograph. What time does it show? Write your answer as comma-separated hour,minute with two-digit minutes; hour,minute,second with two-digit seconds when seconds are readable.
9,48
